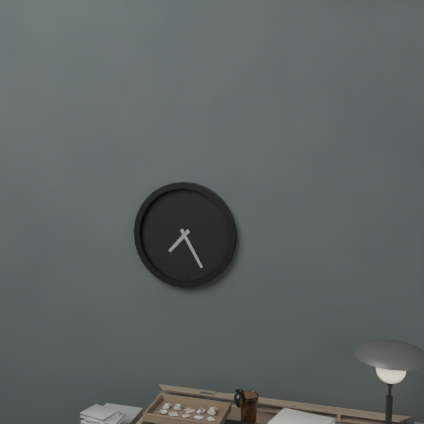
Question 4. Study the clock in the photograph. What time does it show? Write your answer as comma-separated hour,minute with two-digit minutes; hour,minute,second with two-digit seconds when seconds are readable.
7,25
